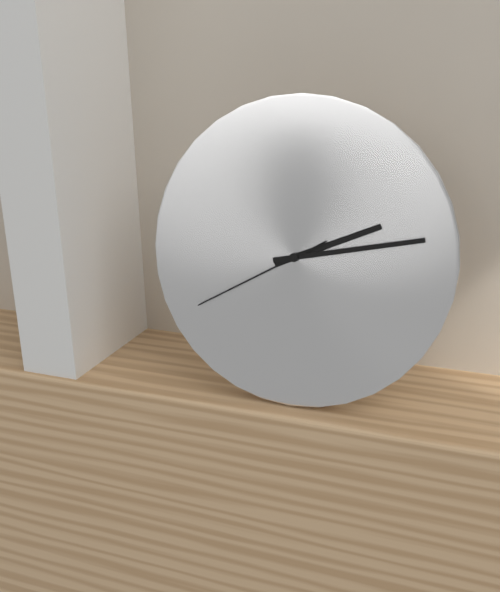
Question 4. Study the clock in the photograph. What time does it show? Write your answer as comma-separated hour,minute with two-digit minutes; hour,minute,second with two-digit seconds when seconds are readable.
2,13,40
